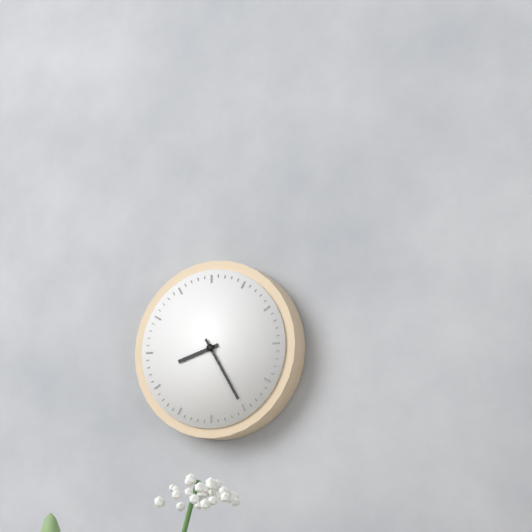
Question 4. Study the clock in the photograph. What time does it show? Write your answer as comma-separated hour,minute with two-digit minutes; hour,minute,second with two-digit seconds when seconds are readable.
8,25
